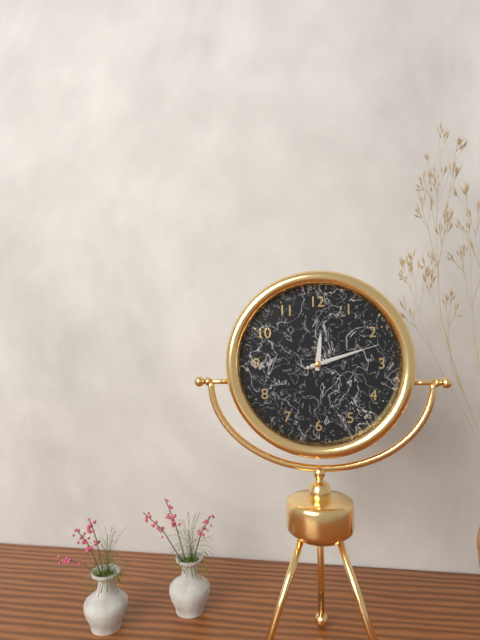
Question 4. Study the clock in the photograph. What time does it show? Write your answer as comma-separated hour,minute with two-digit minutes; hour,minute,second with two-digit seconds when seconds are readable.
12,12,12
